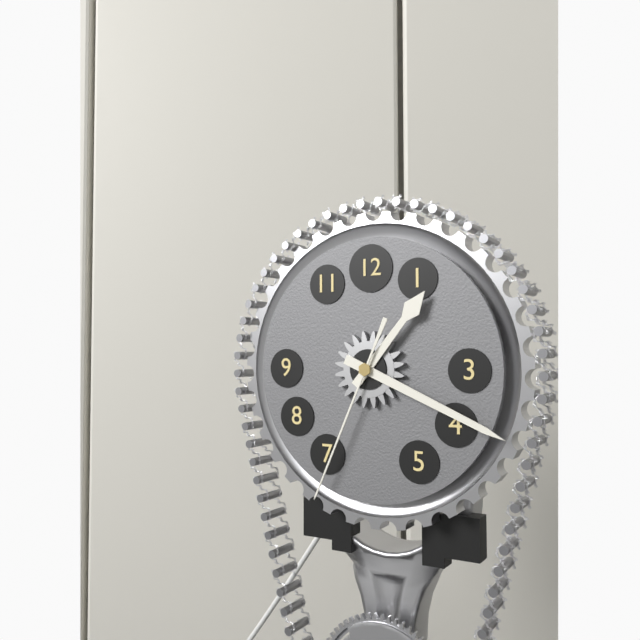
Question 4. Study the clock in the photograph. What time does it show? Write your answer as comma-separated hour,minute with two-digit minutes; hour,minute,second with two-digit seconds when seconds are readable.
1,19,34
